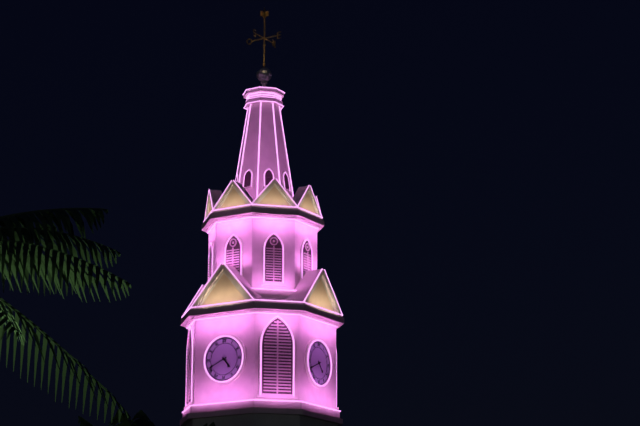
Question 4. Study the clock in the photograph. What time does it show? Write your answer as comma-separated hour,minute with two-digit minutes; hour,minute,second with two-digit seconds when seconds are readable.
4,41
